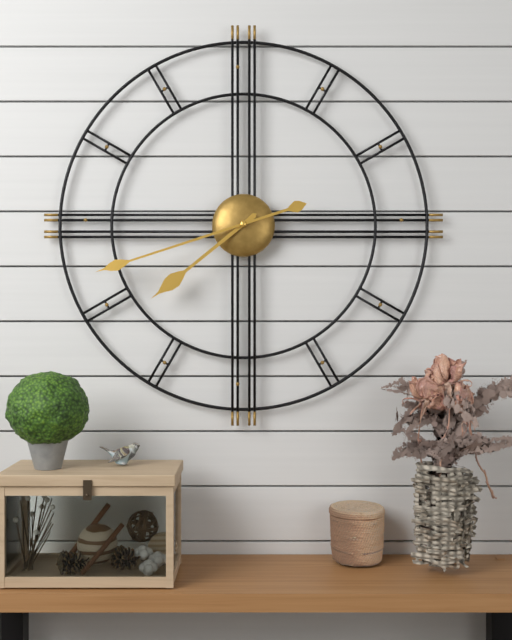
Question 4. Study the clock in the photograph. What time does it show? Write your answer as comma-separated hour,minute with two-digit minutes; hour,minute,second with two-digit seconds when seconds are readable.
7,42
